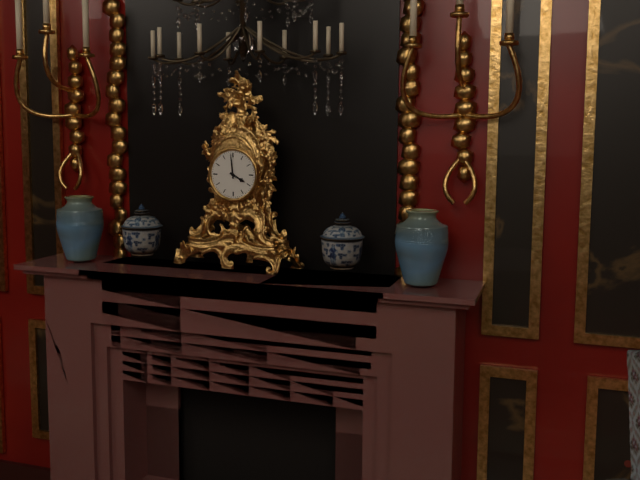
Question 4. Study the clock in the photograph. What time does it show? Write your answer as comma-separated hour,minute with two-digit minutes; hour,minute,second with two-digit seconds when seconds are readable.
3,59
